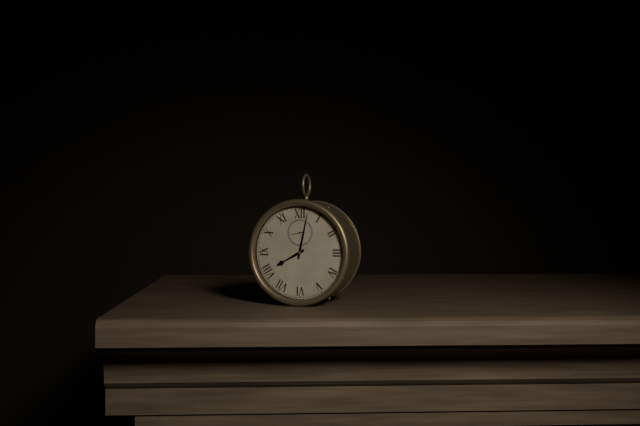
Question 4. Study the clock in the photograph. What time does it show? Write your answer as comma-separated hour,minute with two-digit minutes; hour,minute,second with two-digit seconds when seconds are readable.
8,02
